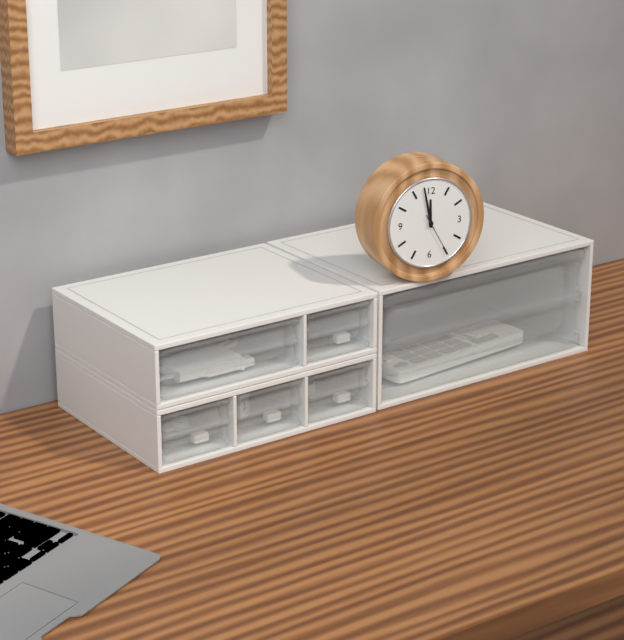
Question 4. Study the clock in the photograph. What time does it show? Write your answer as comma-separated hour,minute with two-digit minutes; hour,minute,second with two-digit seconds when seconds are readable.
11,58
